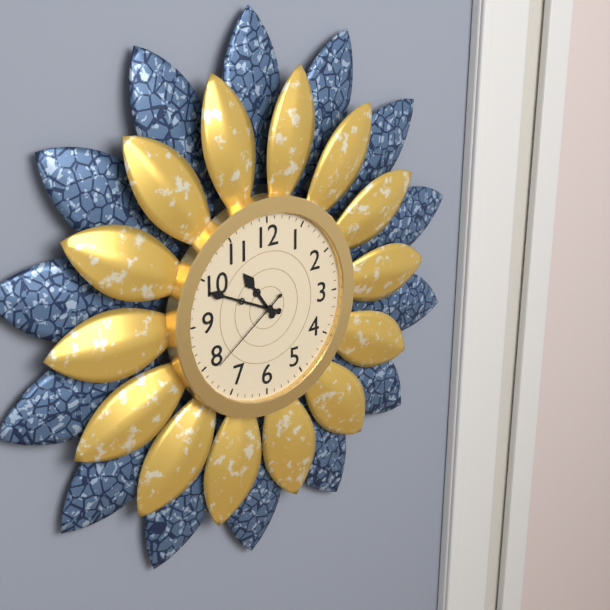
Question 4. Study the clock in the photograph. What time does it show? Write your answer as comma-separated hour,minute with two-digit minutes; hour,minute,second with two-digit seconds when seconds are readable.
10,49,39
